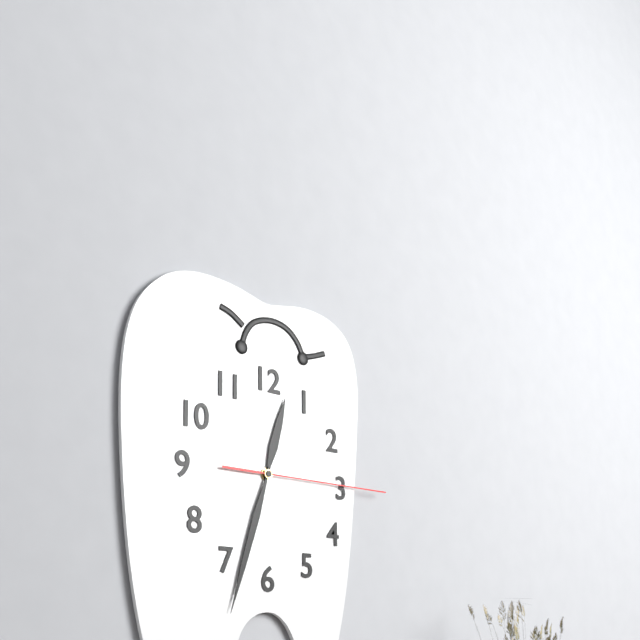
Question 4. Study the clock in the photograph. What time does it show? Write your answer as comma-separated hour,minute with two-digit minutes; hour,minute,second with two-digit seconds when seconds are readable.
12,33,15
